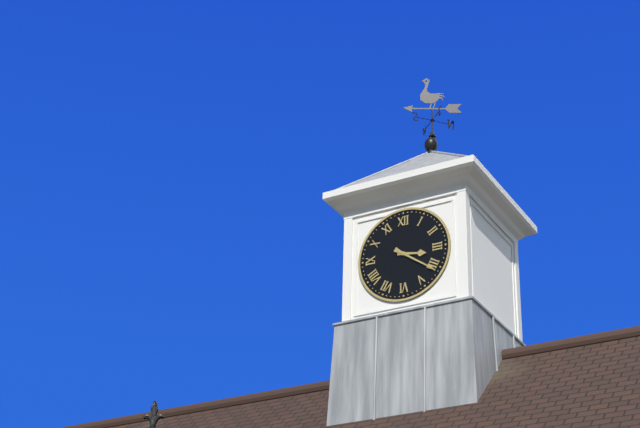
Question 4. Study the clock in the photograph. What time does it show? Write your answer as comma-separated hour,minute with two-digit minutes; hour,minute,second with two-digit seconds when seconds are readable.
3,21
